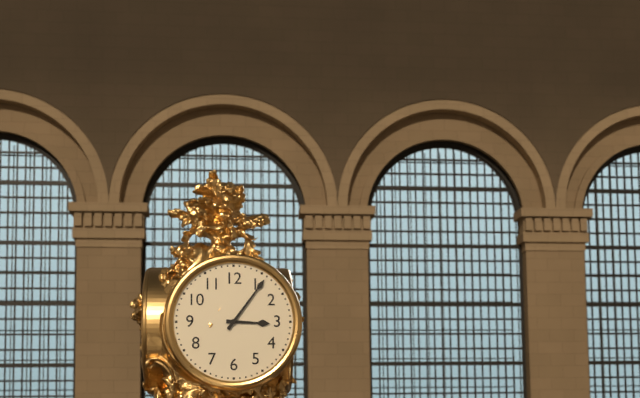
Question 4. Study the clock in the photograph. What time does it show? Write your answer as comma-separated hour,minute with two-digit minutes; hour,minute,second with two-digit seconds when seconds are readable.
3,06
